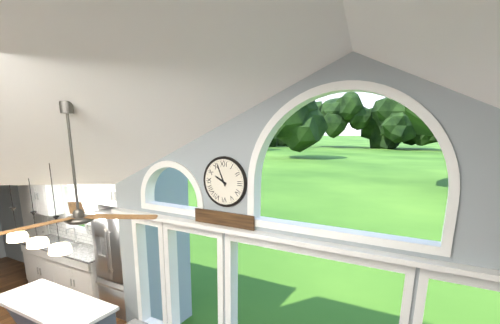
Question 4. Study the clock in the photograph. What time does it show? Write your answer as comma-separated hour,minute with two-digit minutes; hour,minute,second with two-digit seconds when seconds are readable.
9,56
